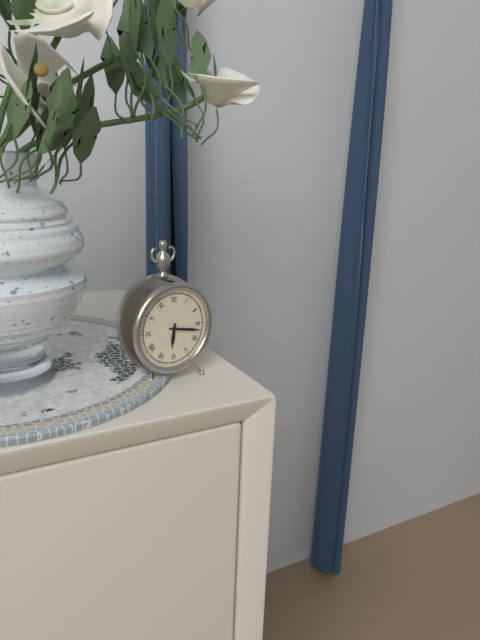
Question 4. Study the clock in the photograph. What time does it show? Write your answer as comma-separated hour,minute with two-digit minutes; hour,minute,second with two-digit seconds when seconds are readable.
6,17
